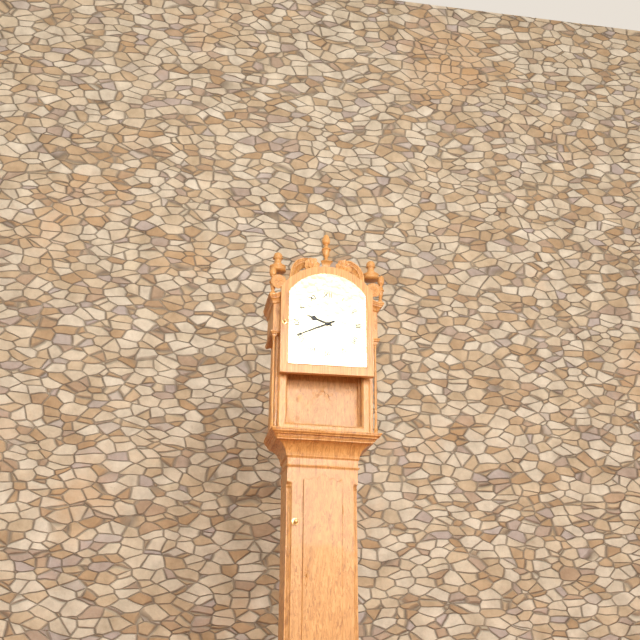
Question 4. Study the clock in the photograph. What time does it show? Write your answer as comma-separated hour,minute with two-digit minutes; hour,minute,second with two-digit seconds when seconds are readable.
9,41
